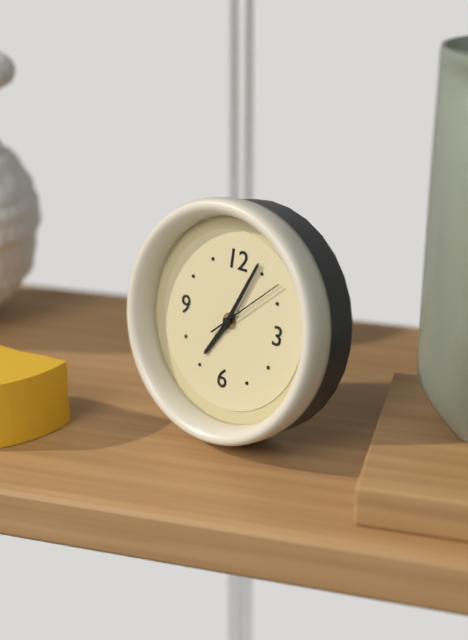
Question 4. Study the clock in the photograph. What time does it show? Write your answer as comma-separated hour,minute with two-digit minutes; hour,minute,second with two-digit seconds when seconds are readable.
7,04,08
